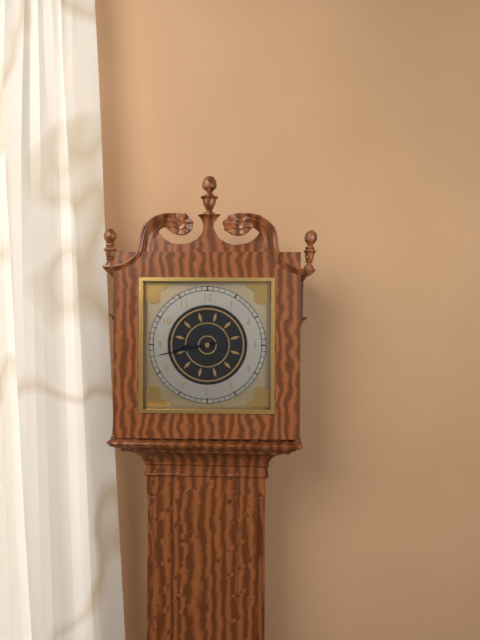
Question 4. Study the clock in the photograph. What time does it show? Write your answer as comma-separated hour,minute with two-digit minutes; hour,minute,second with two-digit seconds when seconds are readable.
8,43
